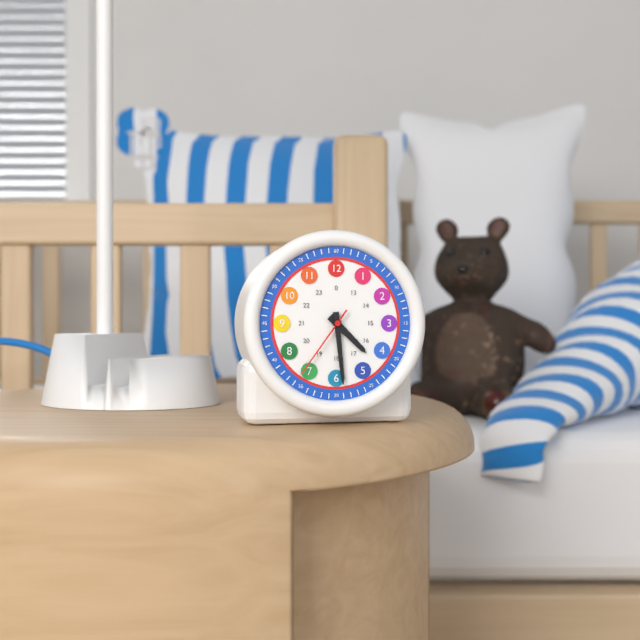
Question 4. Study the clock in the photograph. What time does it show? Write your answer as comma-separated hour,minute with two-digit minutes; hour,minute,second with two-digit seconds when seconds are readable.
4,29,36
